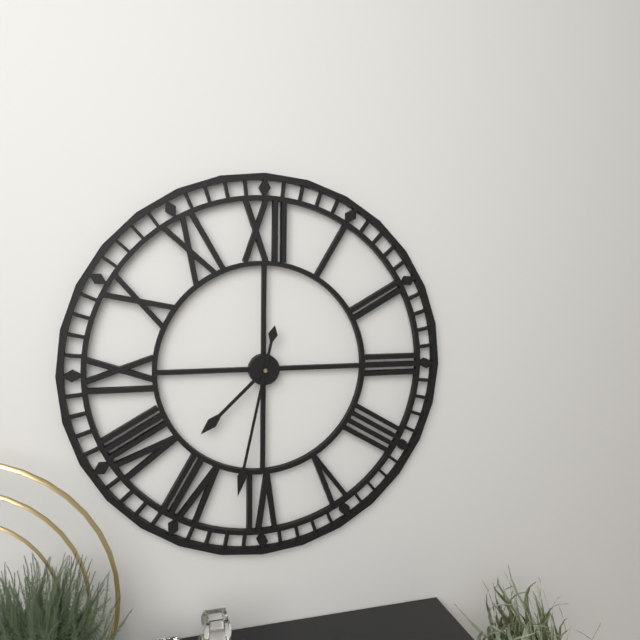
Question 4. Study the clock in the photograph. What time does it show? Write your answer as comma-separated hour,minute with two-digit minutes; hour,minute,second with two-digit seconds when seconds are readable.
7,32
